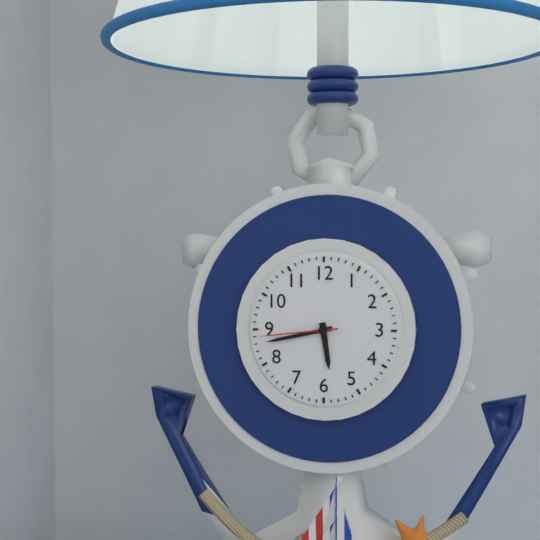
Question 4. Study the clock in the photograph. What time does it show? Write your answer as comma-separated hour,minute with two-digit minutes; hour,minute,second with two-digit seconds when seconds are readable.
5,43,44
